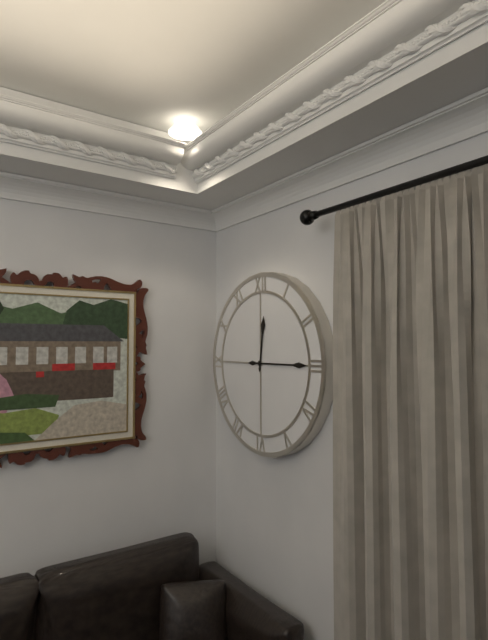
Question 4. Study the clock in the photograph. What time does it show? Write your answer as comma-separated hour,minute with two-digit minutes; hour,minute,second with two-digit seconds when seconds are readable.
12,15
